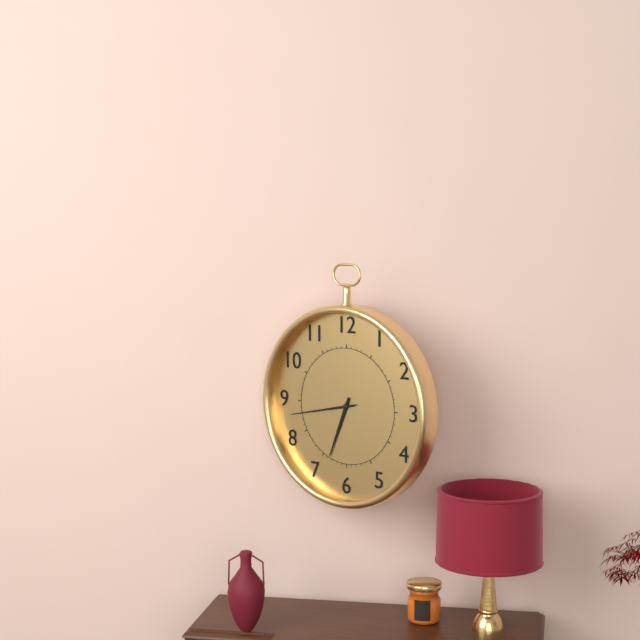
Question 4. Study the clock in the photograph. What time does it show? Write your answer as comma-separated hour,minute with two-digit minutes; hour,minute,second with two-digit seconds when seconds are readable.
6,43
